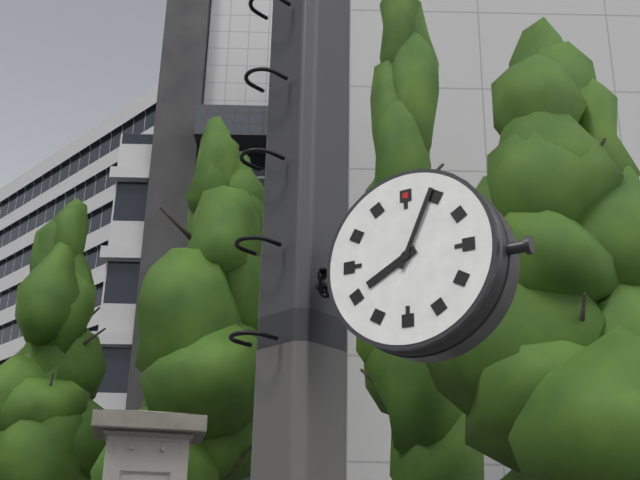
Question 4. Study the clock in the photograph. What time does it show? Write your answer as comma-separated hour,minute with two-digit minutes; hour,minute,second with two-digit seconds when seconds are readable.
8,04
